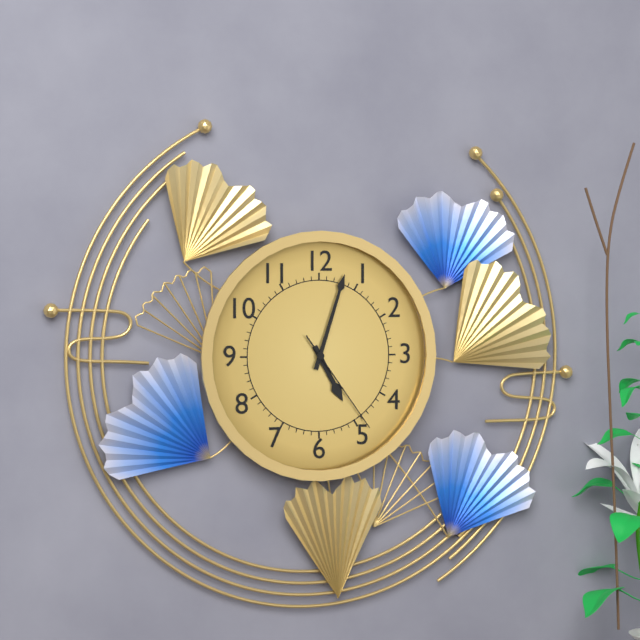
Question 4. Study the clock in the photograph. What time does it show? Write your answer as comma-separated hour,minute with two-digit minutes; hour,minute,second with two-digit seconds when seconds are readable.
5,03,24
